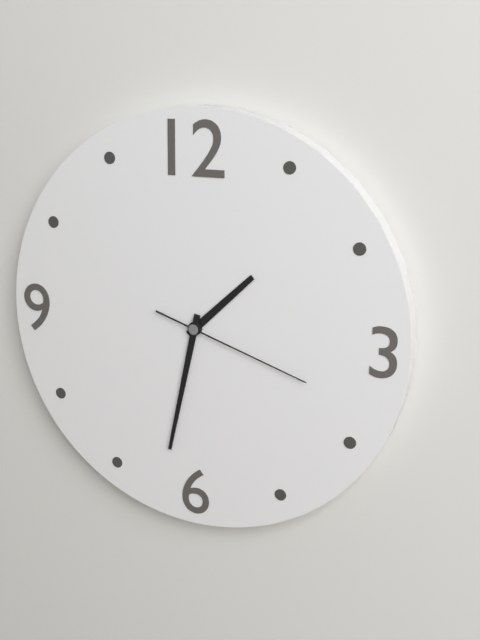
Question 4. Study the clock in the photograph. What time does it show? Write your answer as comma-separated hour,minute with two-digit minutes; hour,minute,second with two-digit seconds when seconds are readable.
1,32,18
